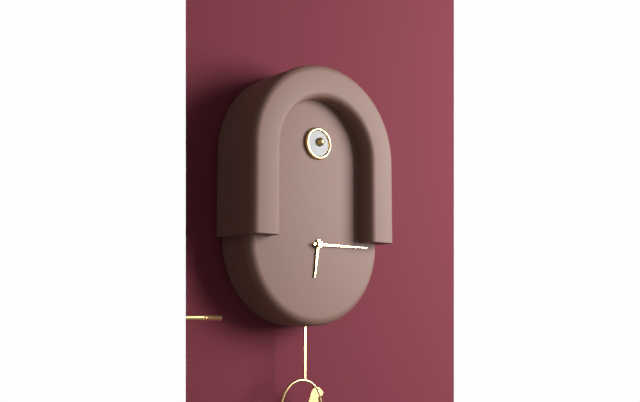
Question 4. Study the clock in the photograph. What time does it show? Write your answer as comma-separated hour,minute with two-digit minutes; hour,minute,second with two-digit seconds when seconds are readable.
6,15
